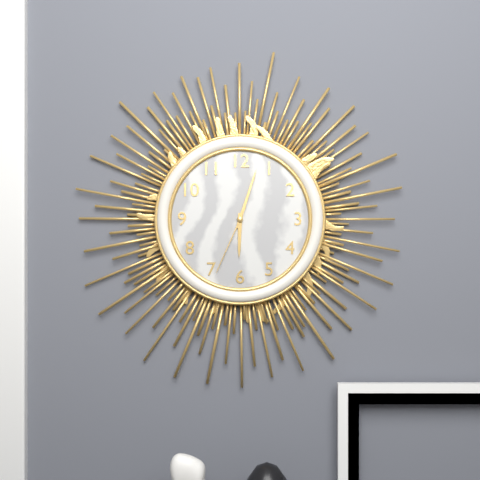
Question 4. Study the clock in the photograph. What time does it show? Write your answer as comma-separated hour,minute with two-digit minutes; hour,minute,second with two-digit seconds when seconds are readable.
6,03,34
